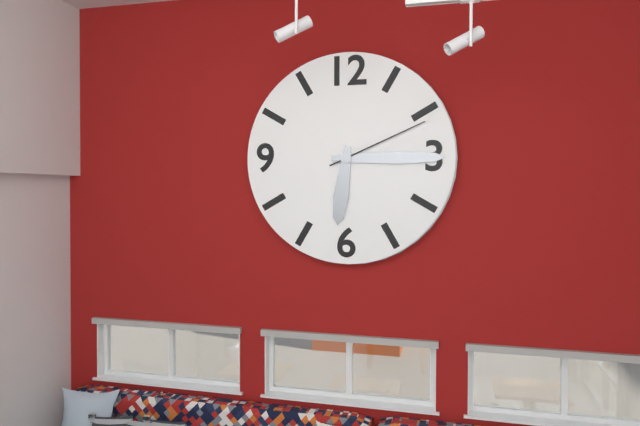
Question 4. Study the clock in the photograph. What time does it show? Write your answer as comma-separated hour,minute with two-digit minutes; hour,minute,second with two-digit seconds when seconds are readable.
6,15,11
